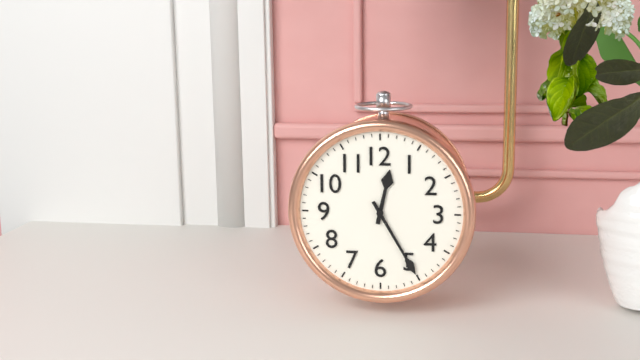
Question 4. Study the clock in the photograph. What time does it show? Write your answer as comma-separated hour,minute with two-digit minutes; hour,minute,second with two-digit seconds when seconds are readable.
12,25
